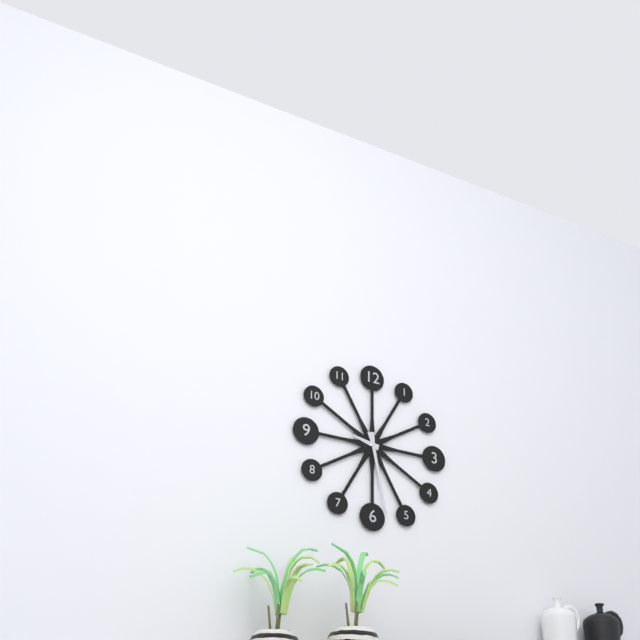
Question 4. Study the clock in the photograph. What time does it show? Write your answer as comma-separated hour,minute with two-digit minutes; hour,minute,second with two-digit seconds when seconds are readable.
9,28
